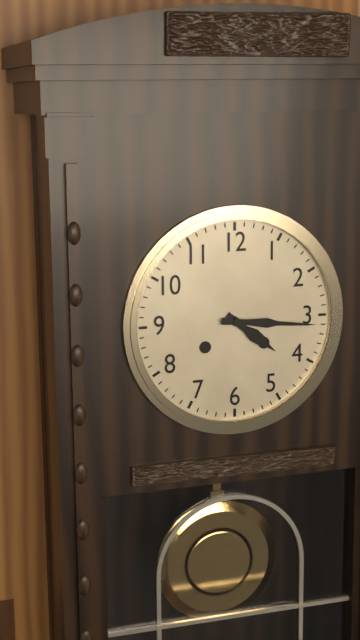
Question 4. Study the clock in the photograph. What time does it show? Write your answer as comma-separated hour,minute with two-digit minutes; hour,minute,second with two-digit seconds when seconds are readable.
4,16
